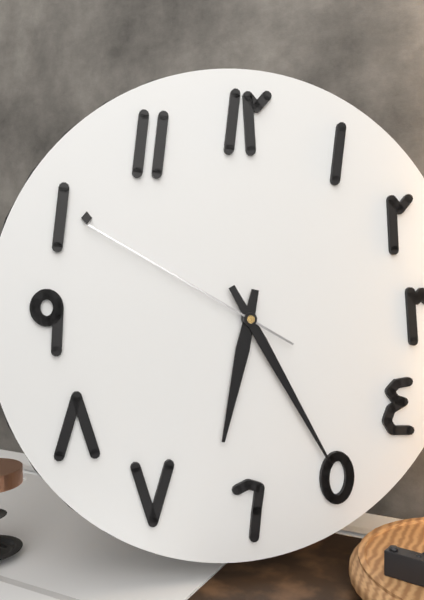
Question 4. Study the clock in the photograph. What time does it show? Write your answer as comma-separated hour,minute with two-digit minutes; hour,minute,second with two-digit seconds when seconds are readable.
6,25,50
